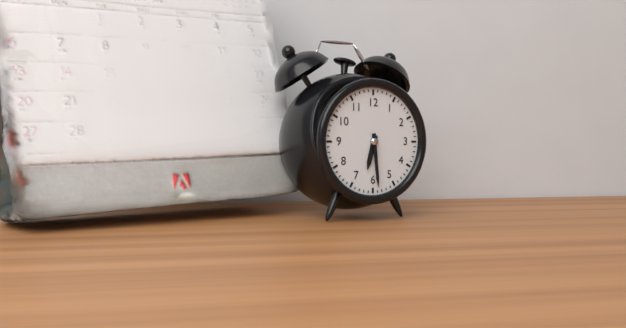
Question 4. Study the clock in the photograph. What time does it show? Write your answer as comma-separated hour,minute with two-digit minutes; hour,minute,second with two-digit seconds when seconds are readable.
6,29
